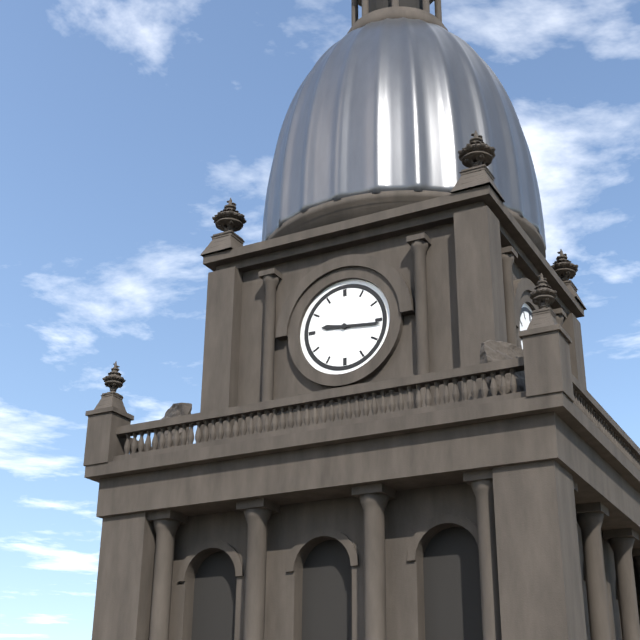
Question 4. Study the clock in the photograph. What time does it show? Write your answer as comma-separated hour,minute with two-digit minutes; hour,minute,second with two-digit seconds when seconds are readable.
9,16
